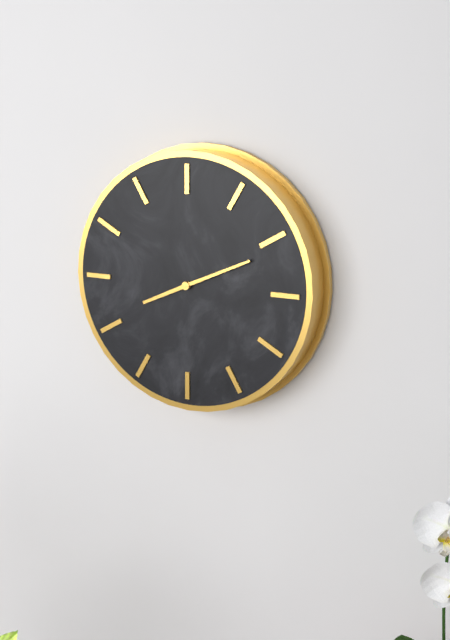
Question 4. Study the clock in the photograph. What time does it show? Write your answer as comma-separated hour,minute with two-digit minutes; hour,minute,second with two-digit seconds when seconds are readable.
8,11
